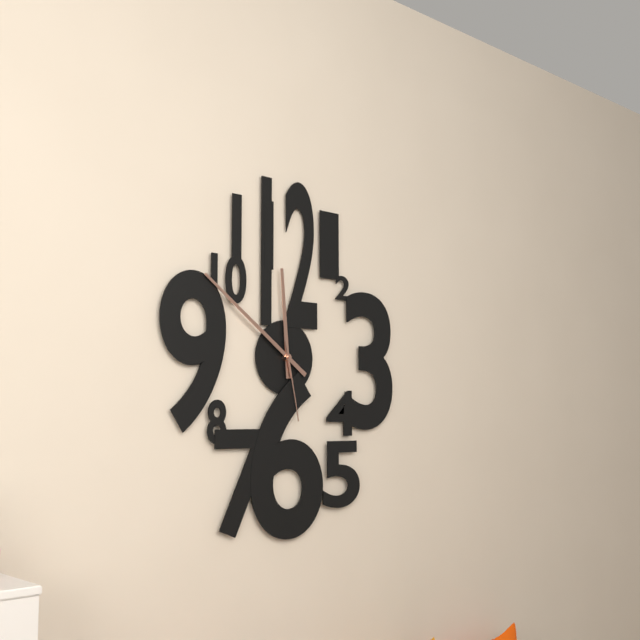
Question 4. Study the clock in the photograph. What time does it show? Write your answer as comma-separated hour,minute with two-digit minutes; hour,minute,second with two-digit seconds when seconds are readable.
11,51,28
